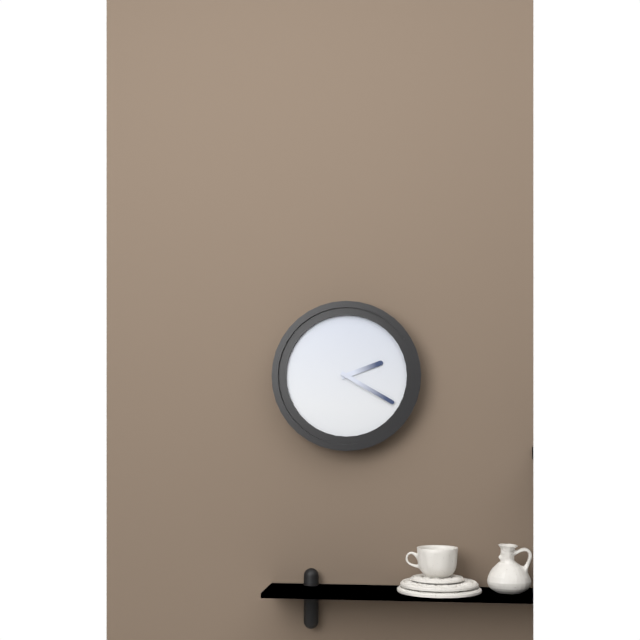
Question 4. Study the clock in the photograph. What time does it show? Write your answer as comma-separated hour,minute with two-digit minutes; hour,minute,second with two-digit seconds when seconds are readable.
2,20
